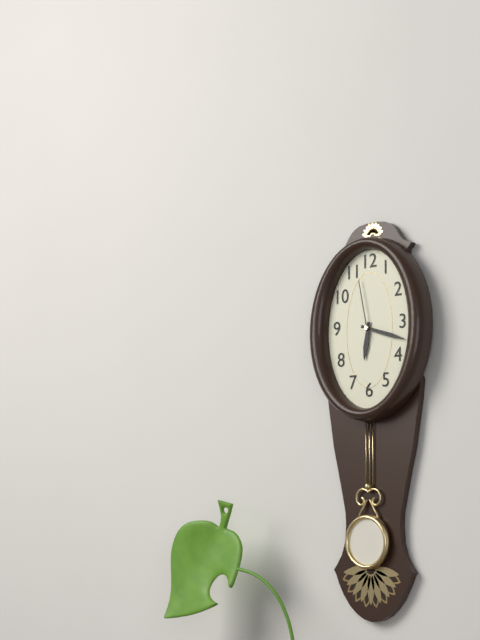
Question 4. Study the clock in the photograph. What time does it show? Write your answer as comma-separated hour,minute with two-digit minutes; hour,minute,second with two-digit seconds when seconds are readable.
6,18,58
